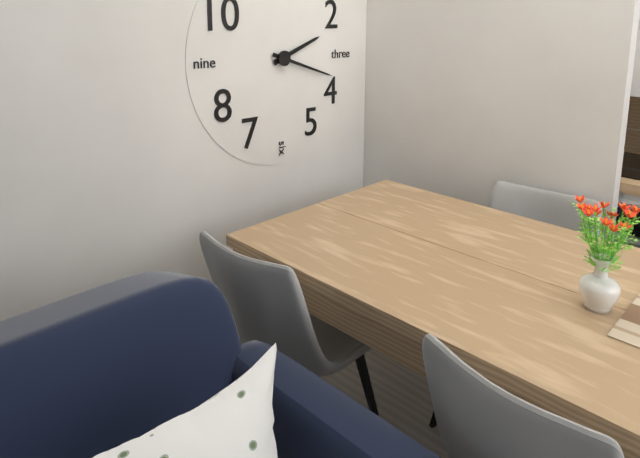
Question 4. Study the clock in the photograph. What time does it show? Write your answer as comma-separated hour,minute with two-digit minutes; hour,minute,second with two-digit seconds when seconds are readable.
2,18
